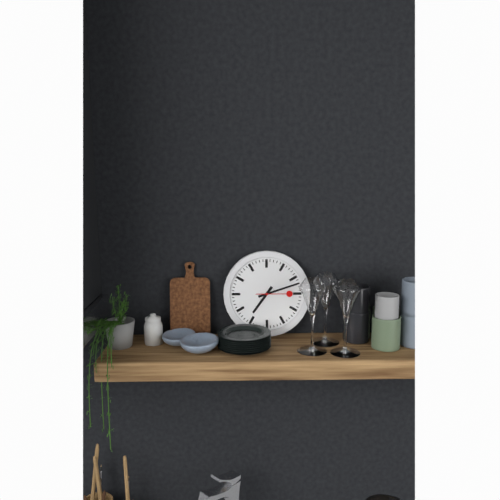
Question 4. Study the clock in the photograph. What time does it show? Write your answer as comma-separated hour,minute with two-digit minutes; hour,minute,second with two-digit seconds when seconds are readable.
7,12
